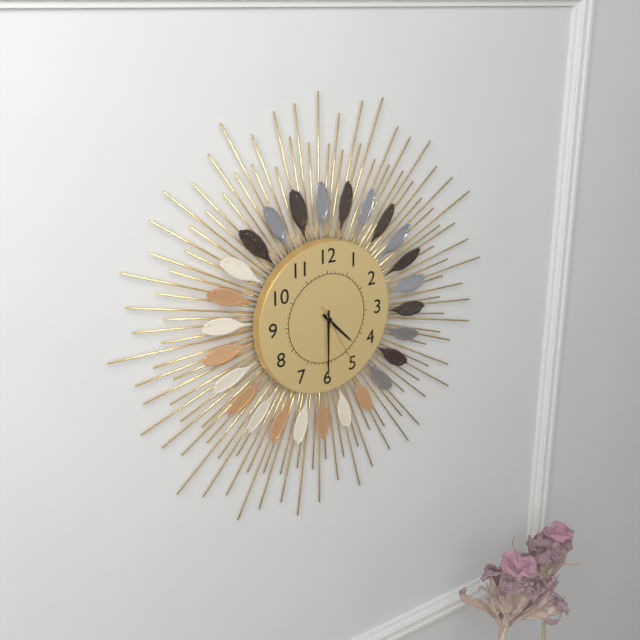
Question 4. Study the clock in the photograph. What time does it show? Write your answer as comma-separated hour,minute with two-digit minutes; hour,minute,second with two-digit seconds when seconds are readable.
4,30,25
